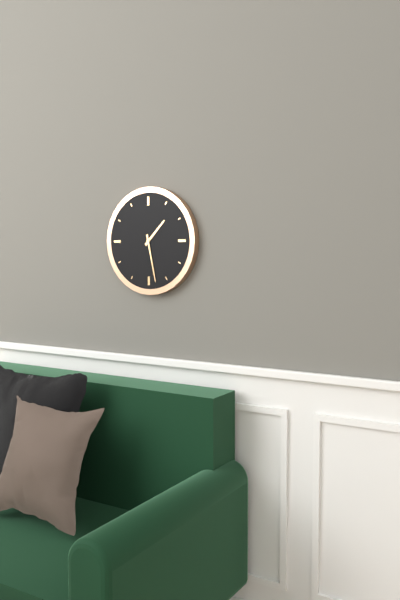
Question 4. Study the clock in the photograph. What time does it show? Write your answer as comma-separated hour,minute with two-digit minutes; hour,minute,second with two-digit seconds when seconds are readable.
1,28
